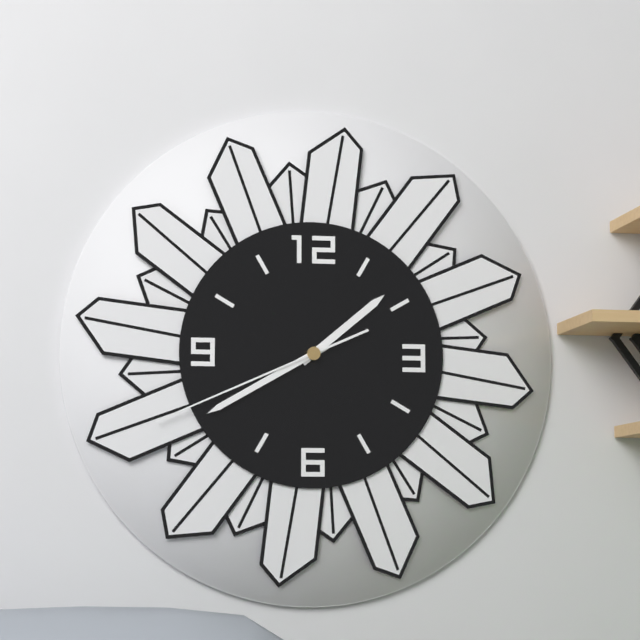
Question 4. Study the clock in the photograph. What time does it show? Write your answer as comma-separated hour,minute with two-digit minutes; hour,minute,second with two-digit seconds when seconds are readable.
1,40,41
